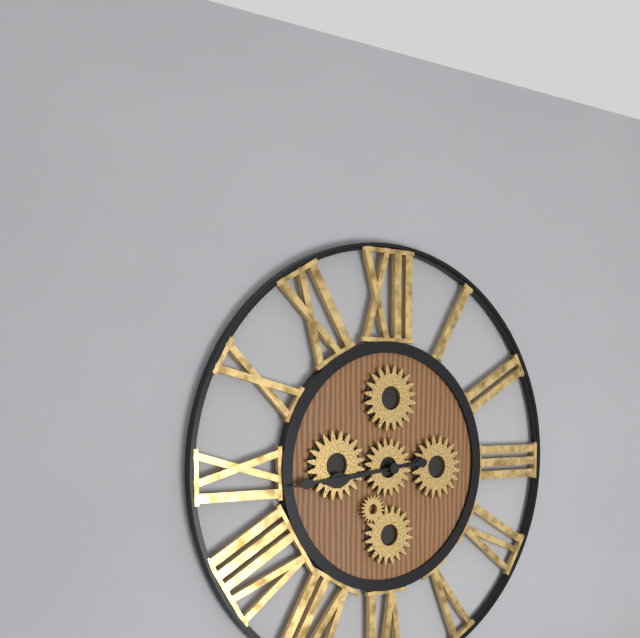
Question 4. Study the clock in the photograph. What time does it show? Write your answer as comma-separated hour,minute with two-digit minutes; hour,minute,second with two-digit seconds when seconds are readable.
8,44
